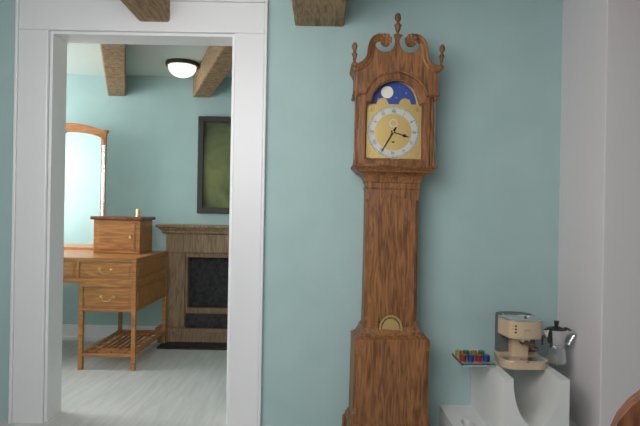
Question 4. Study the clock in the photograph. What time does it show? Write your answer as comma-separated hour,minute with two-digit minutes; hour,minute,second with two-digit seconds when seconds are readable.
3,35
